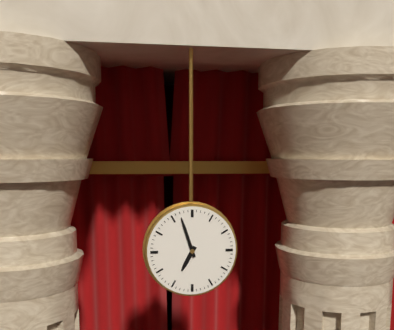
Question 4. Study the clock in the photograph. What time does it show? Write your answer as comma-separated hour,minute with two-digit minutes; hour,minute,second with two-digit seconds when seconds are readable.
6,57
